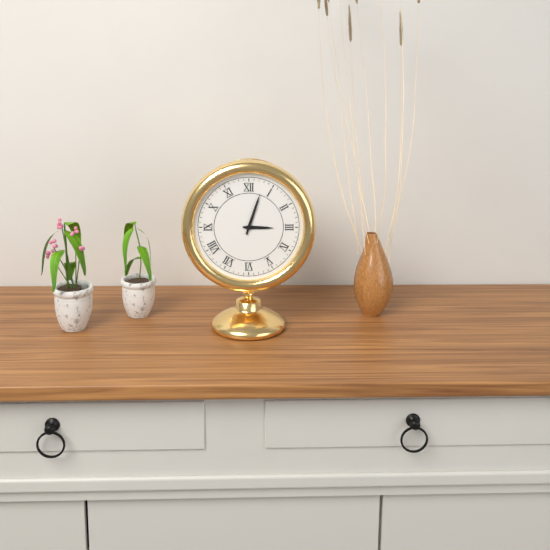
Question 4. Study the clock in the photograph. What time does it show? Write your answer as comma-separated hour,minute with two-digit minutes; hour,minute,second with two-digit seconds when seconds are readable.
3,03
